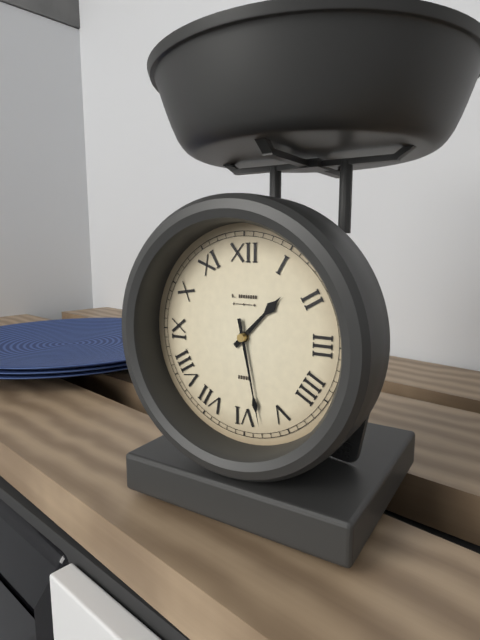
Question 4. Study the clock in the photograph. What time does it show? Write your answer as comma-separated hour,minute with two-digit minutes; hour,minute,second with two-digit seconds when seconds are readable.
1,28
